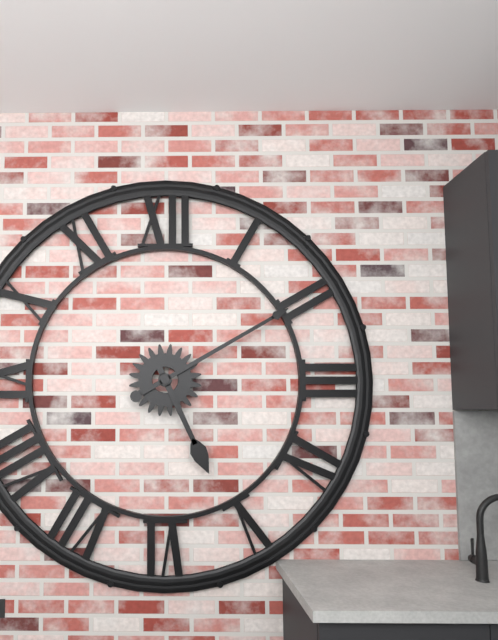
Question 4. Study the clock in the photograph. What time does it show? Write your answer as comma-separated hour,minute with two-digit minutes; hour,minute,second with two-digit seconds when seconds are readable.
5,10
